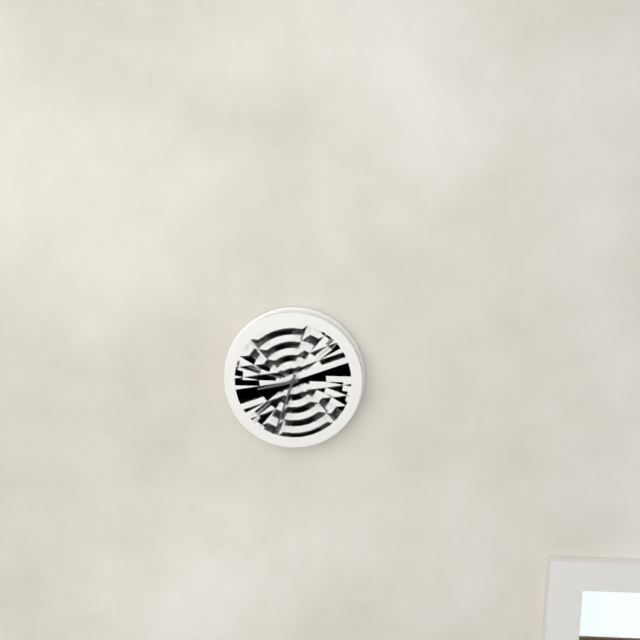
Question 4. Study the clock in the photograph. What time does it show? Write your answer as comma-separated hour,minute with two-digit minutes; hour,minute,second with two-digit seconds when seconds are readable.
8,33
